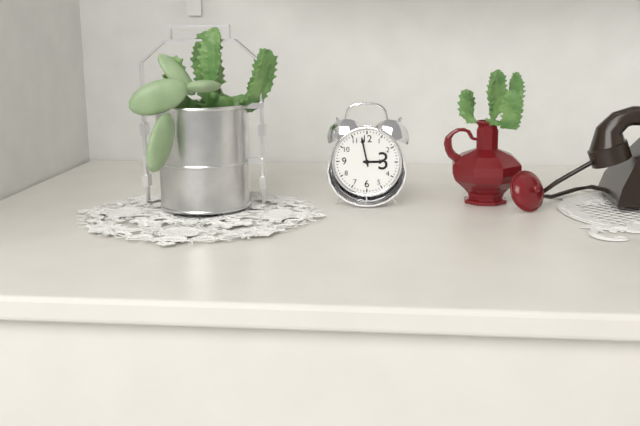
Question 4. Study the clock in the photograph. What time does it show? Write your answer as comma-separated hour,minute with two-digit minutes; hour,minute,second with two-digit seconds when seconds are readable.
2,58
